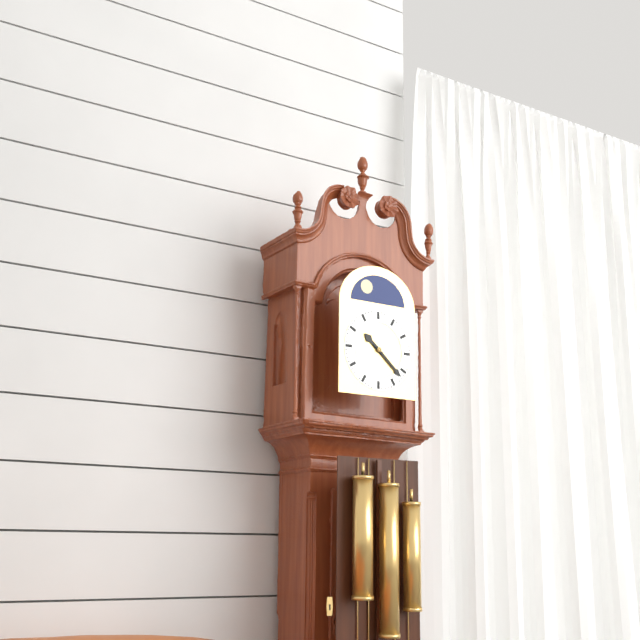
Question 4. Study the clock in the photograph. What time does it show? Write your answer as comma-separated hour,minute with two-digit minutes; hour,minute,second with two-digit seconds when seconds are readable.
10,22
